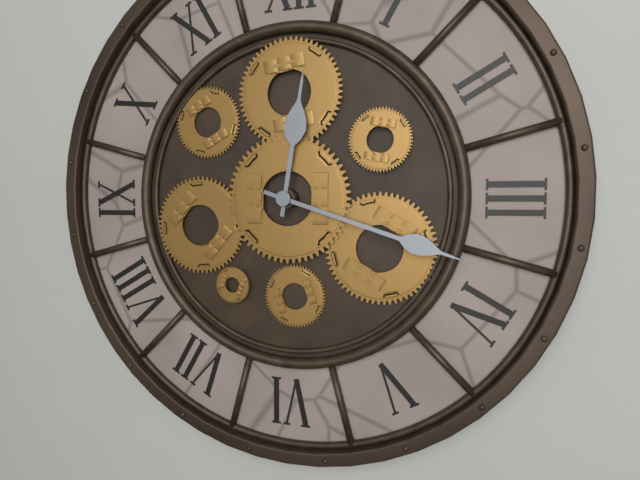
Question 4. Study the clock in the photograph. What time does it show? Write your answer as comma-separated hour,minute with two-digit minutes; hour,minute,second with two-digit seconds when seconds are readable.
12,18
